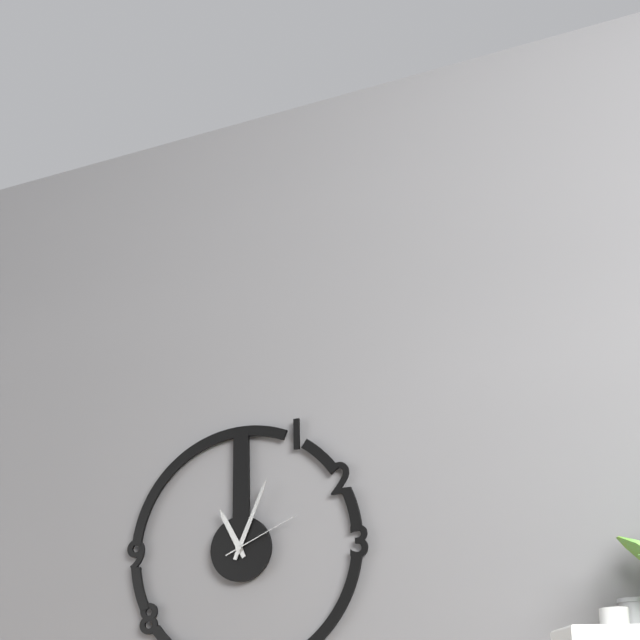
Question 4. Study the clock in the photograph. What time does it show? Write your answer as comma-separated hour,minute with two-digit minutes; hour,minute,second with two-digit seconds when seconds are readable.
11,04,11
